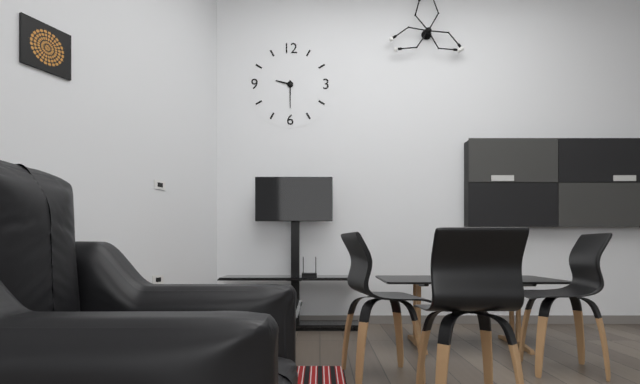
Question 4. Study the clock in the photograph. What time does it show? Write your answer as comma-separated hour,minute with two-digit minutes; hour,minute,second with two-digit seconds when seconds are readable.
9,30
